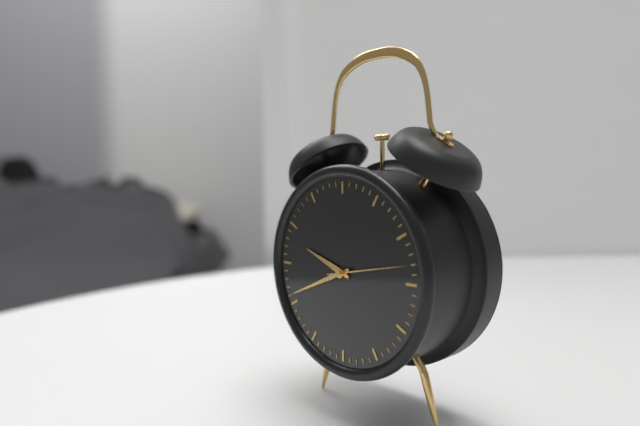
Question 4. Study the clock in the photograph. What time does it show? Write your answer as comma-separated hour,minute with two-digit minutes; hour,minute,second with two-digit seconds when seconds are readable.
9,41,13
